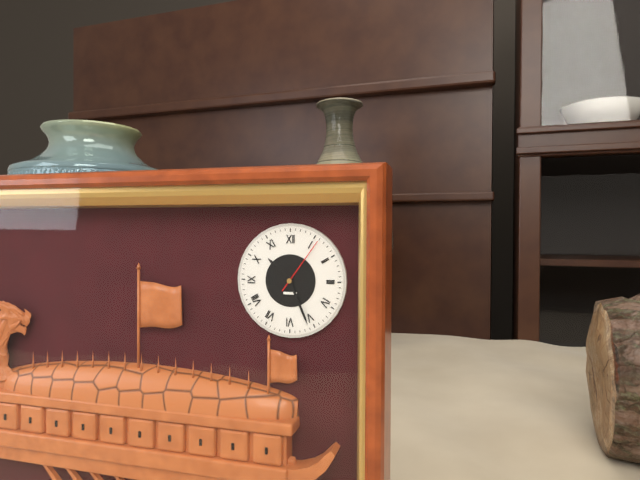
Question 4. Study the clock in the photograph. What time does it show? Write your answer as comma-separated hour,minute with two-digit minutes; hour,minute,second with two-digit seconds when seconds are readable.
10,26,06
